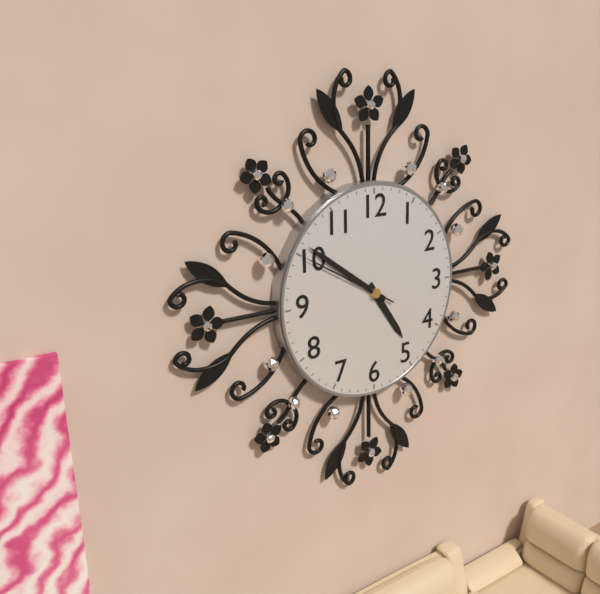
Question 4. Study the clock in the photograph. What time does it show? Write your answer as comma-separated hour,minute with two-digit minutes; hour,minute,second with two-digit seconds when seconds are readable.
4,51,50
